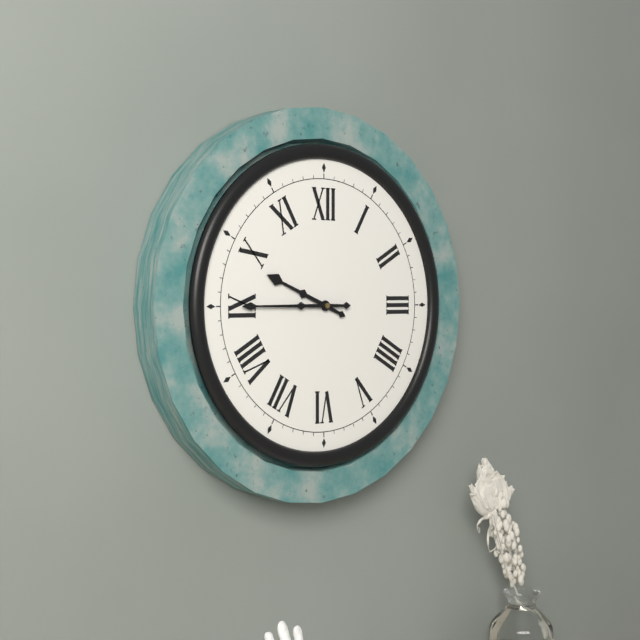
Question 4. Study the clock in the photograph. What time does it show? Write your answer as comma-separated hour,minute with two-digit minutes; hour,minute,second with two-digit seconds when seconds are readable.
9,45
